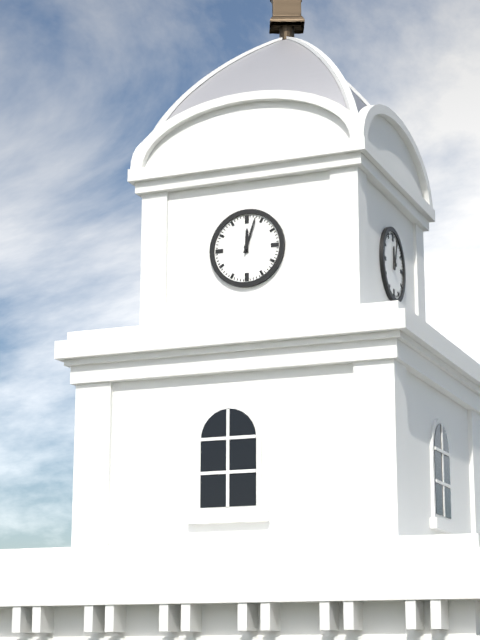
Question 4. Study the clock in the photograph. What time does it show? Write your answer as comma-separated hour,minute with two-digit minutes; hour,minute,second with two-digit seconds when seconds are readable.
12,03
